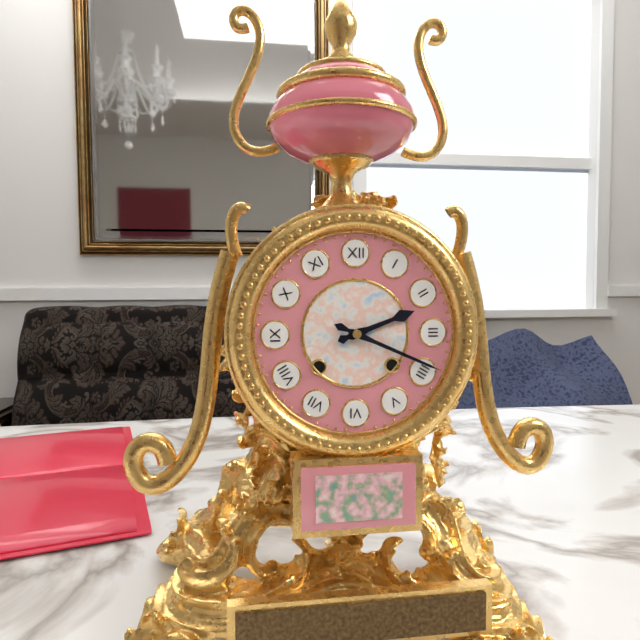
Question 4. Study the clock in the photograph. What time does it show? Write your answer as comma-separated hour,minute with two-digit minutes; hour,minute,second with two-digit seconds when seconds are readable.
2,19
